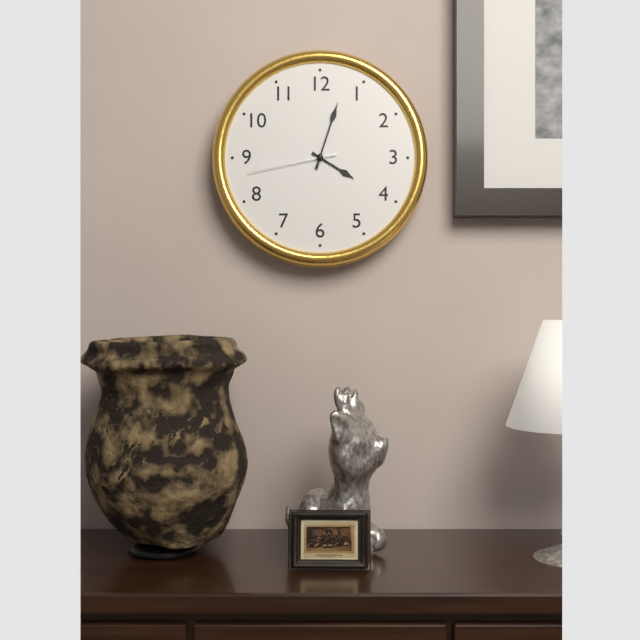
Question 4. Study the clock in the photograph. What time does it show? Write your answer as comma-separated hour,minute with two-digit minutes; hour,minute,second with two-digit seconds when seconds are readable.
4,03,43
